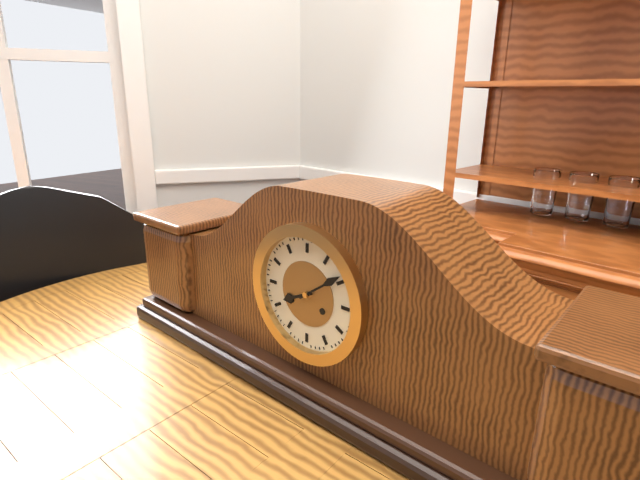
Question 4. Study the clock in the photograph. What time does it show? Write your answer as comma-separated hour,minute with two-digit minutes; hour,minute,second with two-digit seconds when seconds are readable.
8,09
